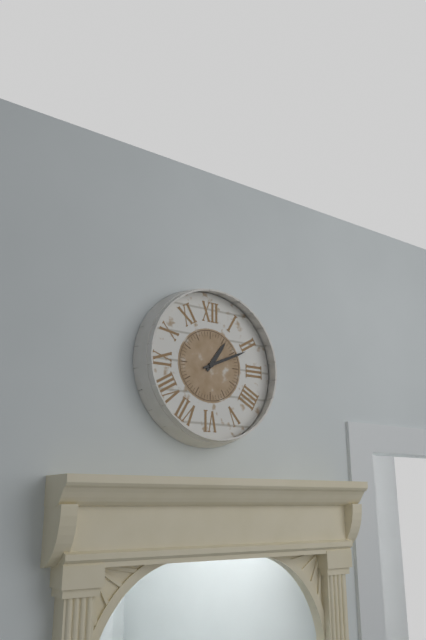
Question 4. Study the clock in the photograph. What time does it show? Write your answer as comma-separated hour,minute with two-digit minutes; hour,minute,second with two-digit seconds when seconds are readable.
1,11
